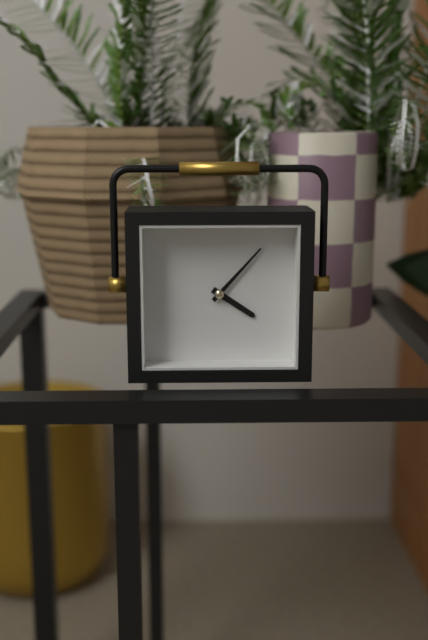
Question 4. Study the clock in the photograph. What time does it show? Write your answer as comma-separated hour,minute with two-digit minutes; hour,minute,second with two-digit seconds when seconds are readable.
4,07
